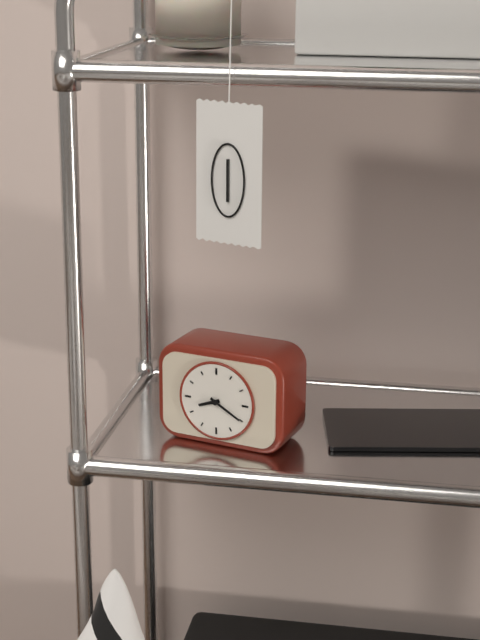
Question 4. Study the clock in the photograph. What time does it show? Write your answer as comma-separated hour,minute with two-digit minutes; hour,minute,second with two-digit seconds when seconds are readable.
8,20
